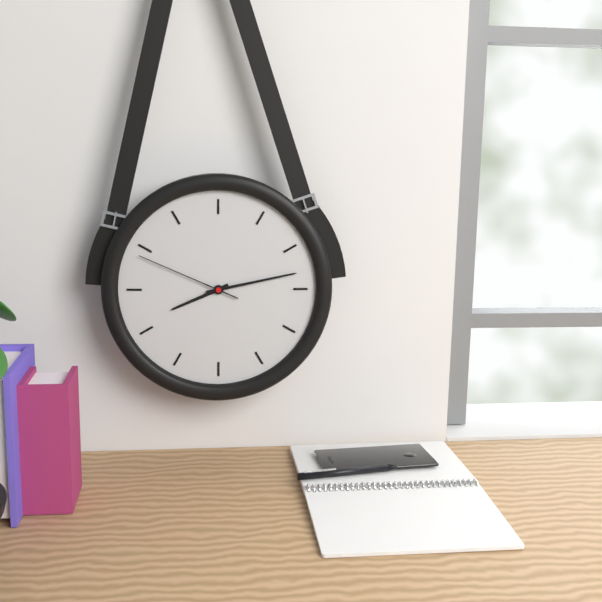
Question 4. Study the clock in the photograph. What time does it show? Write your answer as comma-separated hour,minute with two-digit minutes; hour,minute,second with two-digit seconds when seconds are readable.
8,13,49
